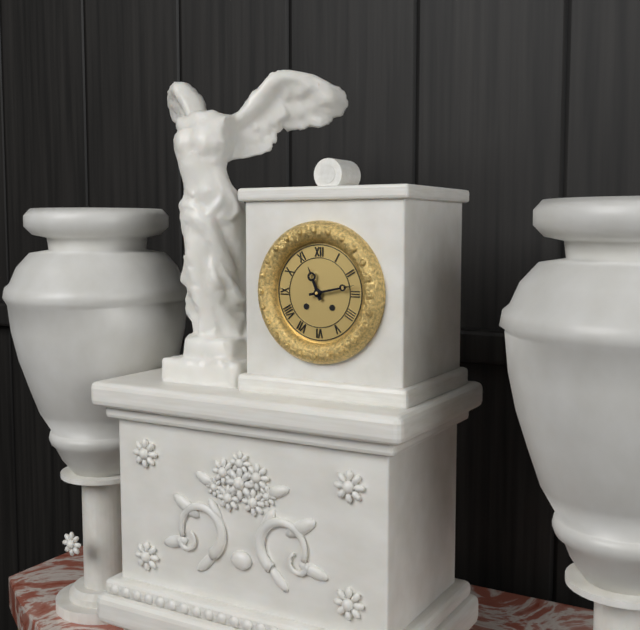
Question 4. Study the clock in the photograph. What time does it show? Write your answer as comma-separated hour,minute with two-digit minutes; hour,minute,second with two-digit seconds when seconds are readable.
11,13
